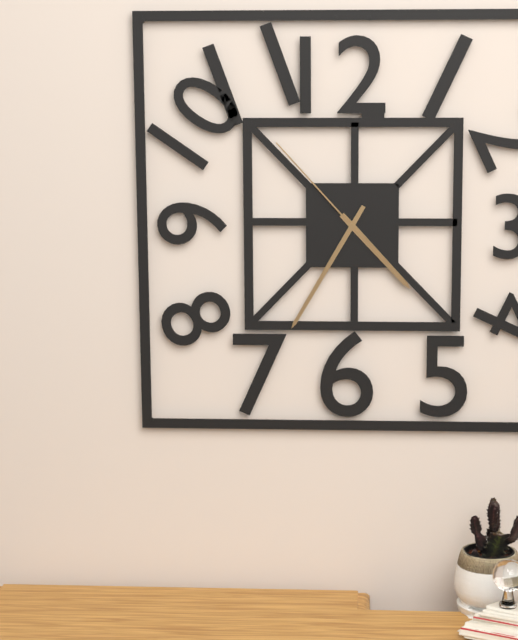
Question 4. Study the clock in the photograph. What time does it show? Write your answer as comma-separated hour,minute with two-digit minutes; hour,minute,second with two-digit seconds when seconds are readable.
4,35,53
